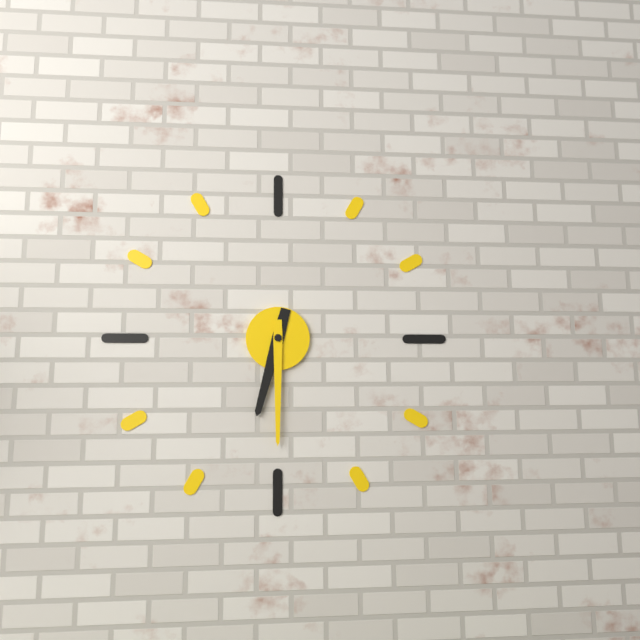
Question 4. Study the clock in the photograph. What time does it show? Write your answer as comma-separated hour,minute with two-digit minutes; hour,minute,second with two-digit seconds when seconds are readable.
6,30
